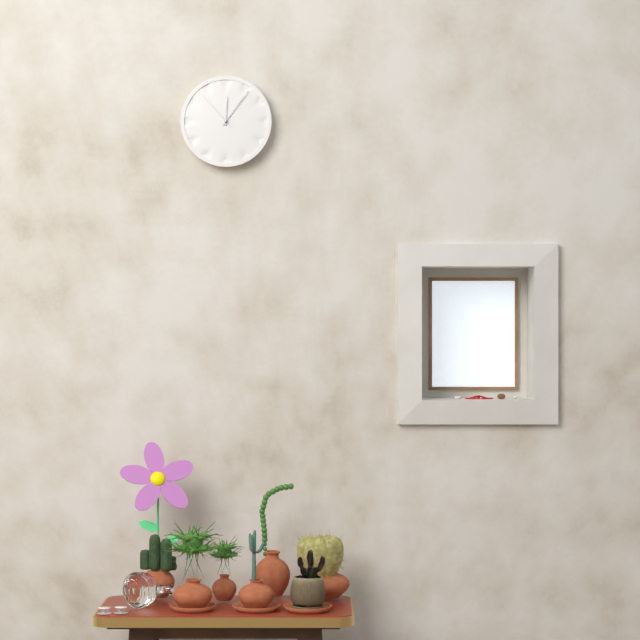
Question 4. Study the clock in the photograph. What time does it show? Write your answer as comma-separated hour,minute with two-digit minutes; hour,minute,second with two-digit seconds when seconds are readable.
12,06
